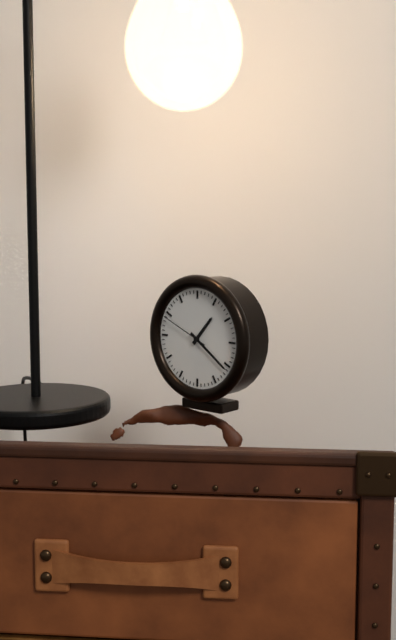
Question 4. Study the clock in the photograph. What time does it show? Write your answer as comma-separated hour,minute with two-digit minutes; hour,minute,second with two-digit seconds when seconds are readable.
1,21
